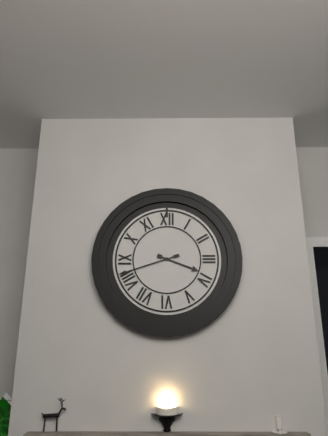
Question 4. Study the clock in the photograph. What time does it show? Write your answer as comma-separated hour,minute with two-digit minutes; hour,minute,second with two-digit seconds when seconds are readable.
3,42
